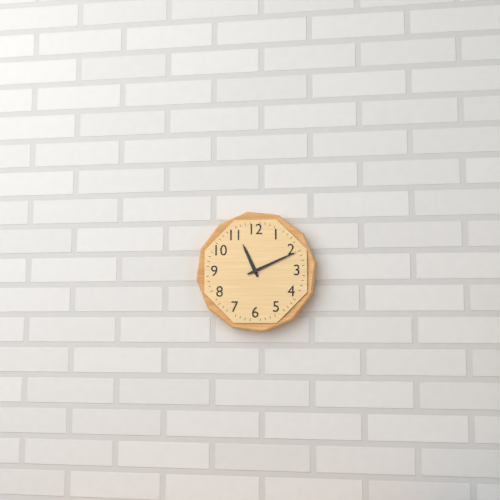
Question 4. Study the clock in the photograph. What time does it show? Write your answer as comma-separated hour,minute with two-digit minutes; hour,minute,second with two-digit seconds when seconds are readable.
11,11
